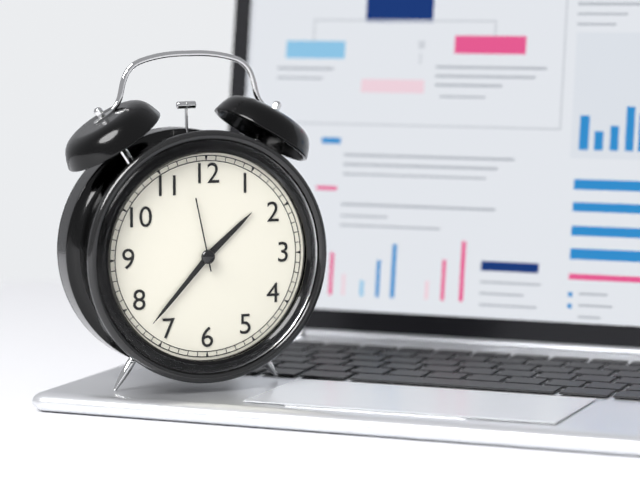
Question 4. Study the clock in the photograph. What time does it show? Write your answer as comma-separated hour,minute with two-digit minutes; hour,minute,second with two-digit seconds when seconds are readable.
1,37,58
